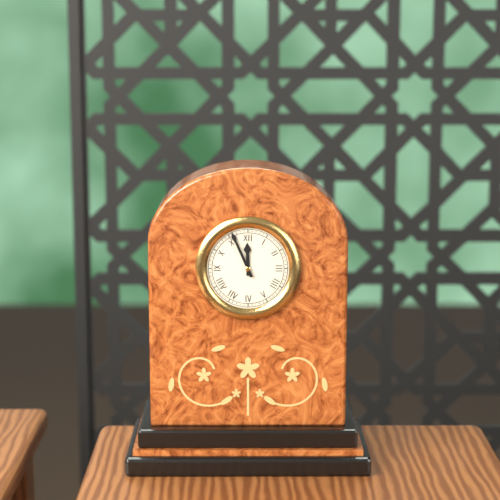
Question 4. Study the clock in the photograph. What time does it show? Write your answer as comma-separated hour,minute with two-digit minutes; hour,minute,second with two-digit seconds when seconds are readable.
11,56
